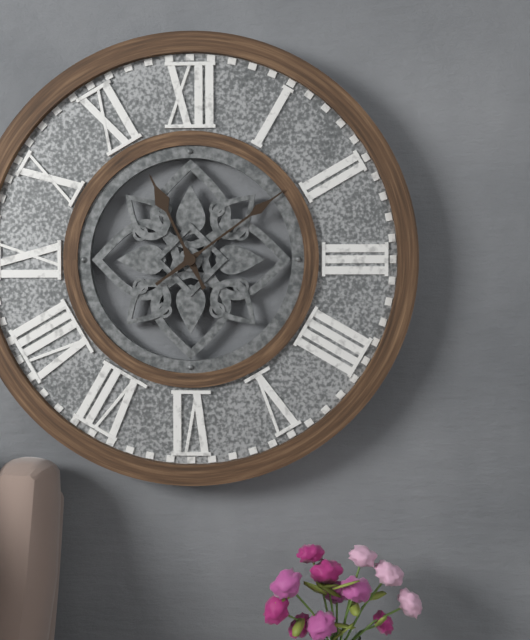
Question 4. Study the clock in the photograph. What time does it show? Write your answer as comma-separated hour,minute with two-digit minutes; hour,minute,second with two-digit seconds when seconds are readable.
11,09
